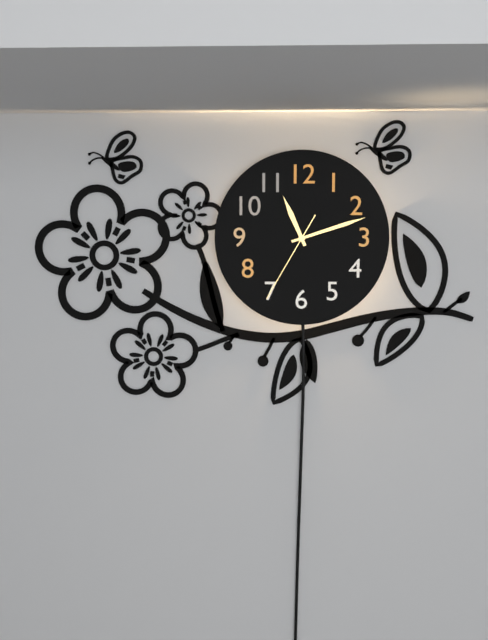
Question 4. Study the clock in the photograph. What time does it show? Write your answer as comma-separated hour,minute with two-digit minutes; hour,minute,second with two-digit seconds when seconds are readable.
11,12,35
